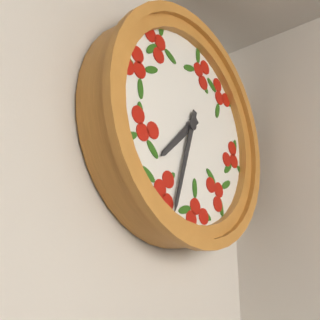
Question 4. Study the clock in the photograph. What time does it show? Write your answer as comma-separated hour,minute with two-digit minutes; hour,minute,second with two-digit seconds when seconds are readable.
7,33
